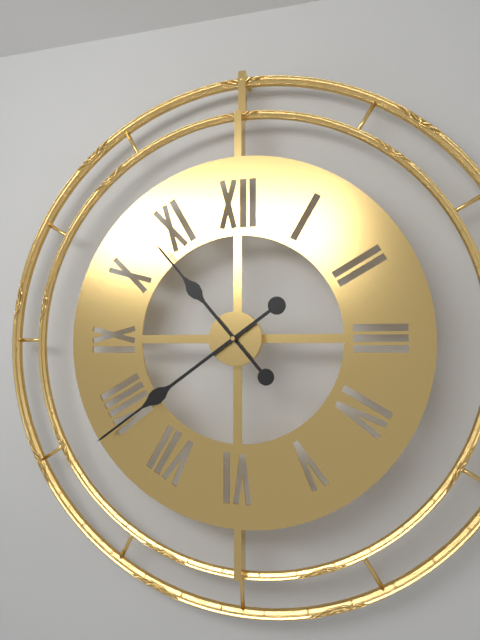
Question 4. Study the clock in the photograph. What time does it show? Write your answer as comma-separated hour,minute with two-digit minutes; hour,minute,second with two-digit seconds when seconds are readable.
10,39
